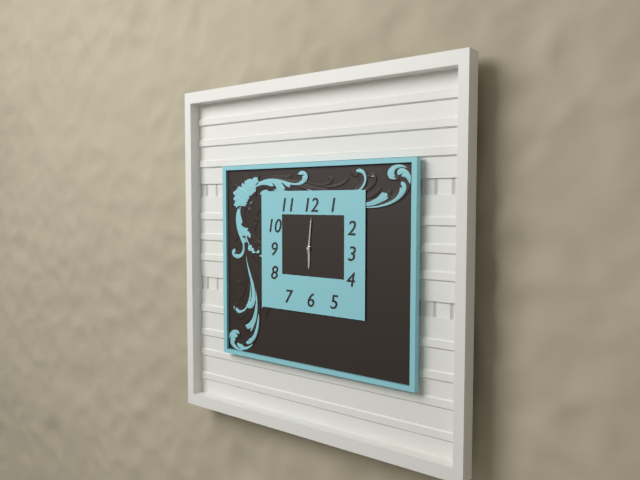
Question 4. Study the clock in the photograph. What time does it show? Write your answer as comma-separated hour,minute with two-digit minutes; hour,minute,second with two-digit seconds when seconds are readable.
6,01
